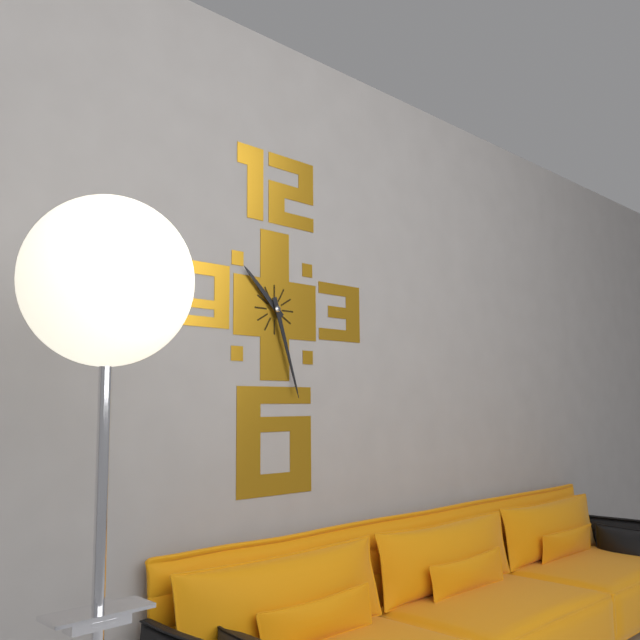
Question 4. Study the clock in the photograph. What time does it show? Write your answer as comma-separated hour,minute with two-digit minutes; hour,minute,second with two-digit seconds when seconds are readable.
10,27
